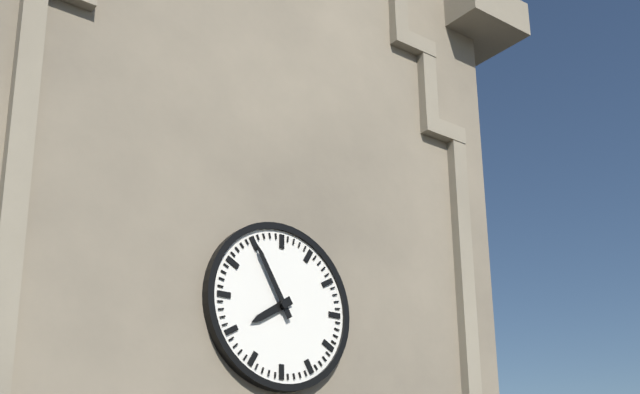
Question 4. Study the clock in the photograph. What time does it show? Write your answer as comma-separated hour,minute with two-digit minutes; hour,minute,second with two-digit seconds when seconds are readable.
7,55
